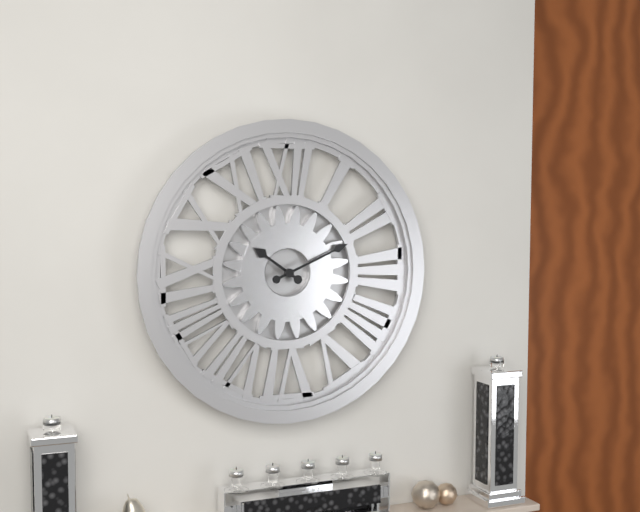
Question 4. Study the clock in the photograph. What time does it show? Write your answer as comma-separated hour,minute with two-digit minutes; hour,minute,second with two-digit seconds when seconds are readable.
10,11
